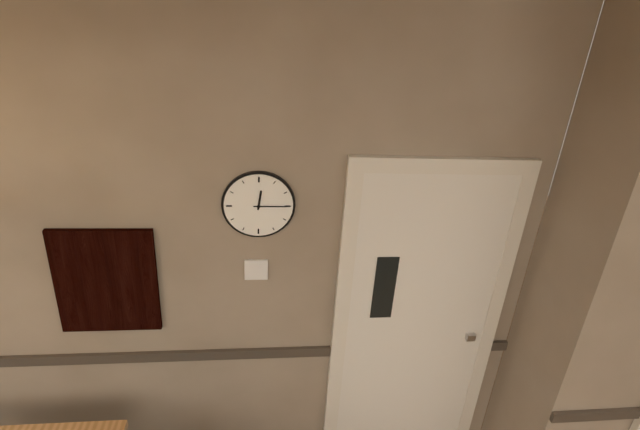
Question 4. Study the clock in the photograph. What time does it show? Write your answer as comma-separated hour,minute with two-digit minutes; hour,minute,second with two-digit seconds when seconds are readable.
12,15
